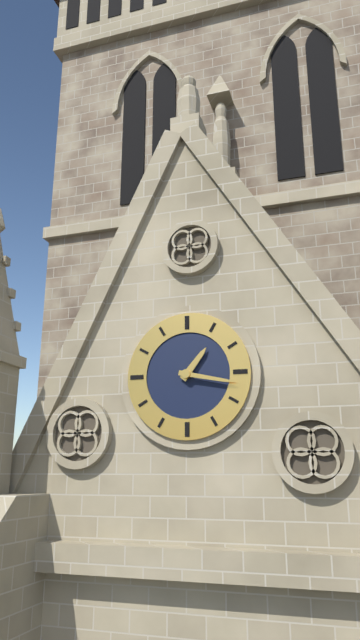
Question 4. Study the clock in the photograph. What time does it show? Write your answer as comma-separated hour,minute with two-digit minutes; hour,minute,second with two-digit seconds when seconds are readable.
1,17
